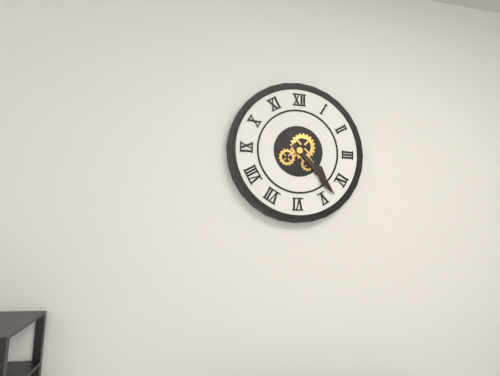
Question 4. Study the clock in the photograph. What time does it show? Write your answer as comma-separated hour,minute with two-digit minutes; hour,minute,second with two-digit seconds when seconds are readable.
4,23
